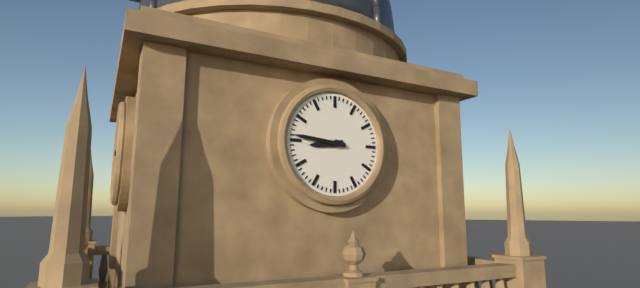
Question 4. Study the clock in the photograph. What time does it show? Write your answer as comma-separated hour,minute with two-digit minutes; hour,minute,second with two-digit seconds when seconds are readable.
8,46
